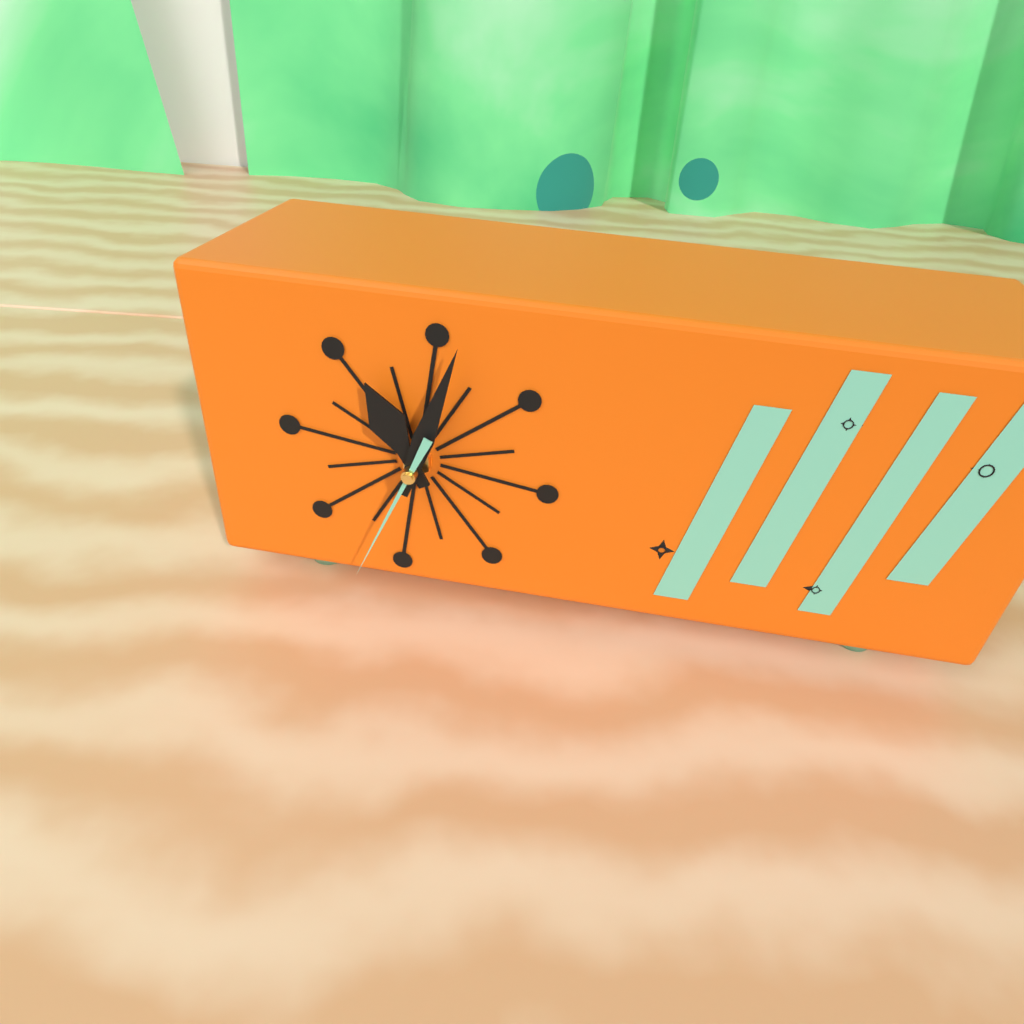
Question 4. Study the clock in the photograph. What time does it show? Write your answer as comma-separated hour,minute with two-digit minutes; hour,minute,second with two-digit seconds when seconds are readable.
11,03,34
